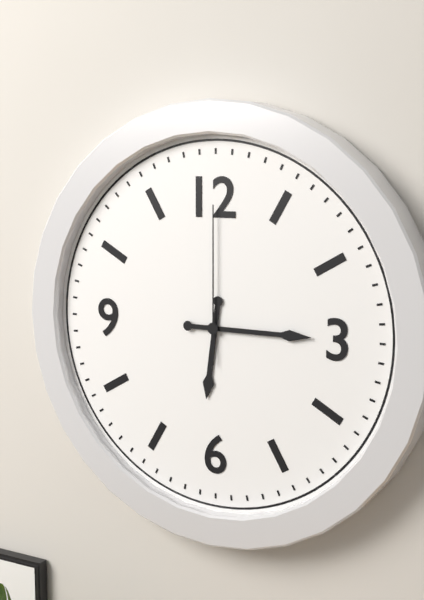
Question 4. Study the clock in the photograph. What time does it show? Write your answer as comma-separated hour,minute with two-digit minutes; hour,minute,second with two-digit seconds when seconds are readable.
6,15,00
